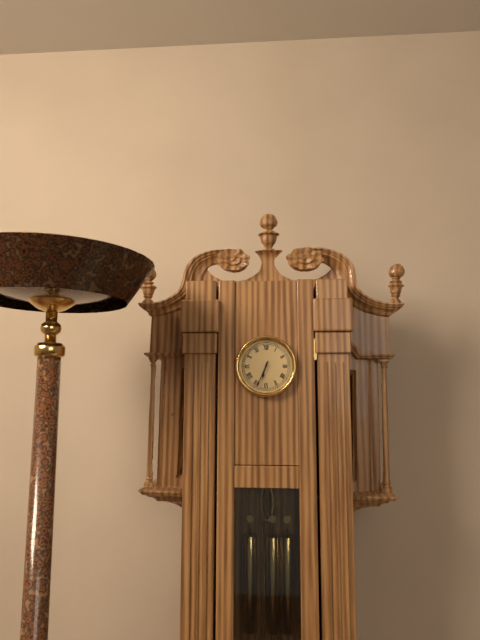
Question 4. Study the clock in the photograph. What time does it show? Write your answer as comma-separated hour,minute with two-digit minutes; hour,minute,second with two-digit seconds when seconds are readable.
6,34
